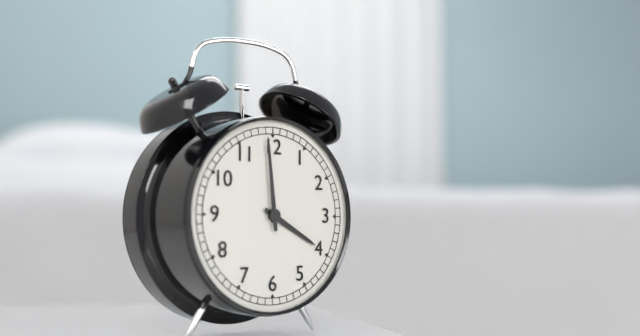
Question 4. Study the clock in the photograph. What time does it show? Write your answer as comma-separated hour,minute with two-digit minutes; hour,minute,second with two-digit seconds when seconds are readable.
3,59
